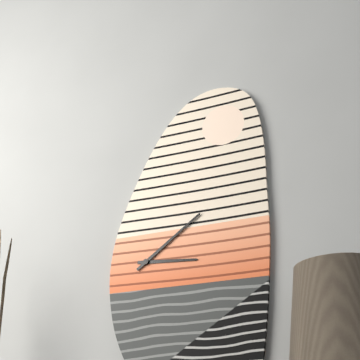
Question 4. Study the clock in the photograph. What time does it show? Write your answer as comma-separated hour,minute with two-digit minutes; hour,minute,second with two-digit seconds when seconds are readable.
3,09
